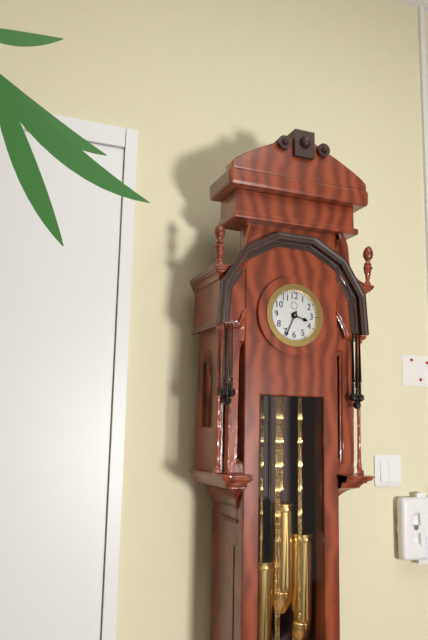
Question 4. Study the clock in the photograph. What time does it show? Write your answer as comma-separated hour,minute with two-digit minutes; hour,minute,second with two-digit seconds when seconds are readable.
3,34
